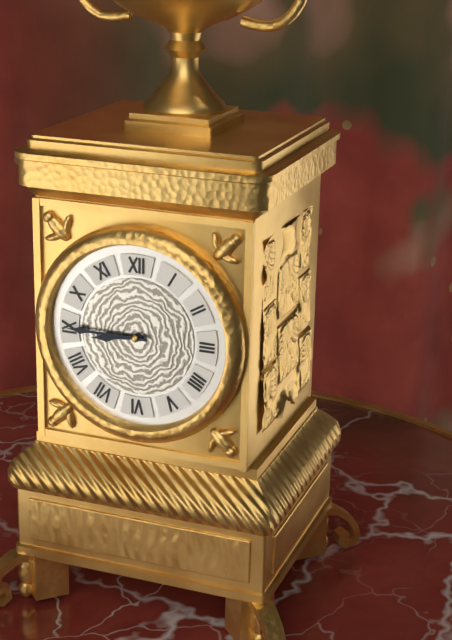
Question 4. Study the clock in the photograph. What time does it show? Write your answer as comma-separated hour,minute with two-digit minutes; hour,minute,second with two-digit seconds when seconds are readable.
8,45
